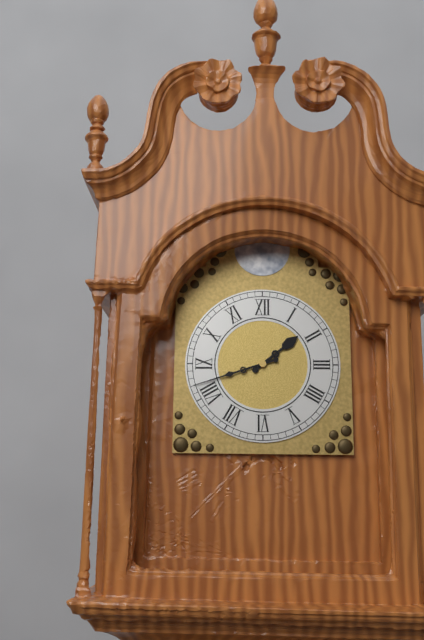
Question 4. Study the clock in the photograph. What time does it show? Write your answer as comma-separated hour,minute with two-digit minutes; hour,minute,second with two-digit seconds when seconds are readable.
1,42
